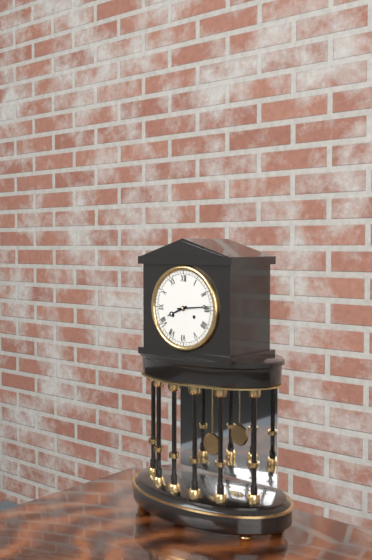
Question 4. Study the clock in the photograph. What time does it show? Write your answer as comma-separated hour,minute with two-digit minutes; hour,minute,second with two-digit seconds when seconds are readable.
8,14
